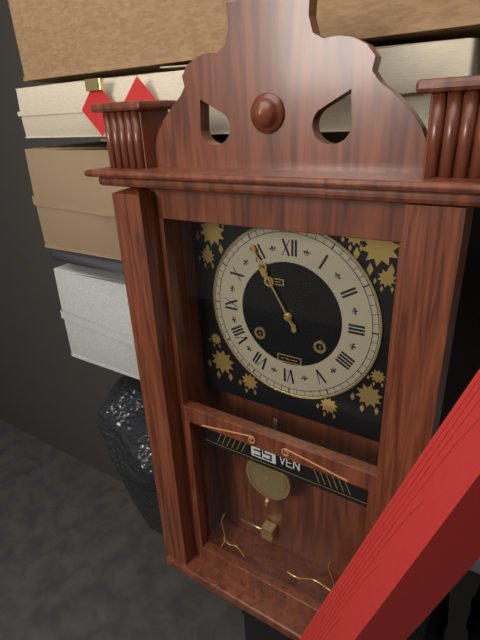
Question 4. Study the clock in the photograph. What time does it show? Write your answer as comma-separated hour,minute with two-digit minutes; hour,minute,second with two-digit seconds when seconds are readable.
10,55
